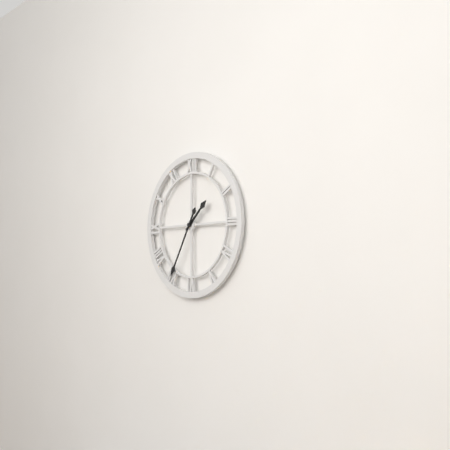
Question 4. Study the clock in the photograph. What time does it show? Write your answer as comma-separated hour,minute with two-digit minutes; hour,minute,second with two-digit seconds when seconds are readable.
1,35
